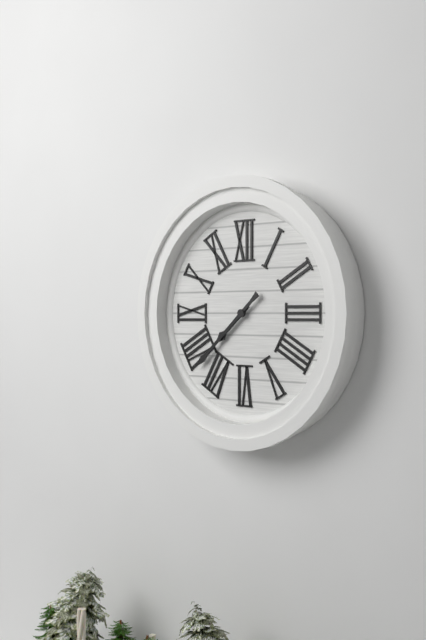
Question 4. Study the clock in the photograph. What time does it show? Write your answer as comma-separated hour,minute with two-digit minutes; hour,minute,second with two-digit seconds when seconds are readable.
7,38
